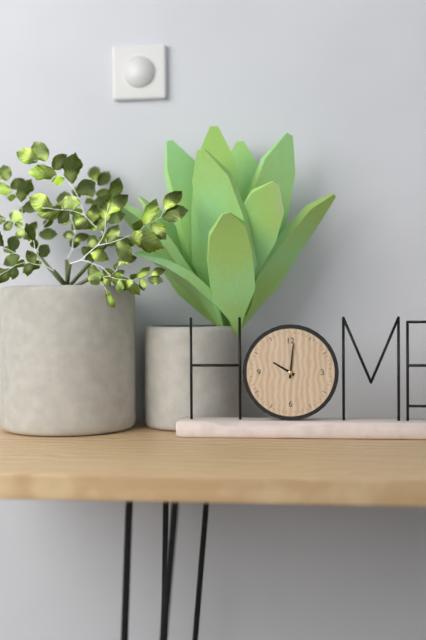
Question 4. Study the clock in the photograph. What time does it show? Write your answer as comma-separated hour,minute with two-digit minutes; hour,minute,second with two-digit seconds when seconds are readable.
10,01
